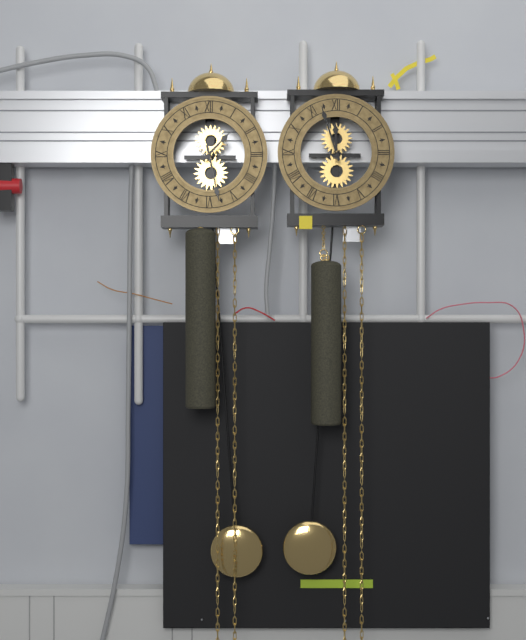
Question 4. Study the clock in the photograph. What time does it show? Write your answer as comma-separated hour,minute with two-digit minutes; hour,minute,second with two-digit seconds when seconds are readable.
1,28
